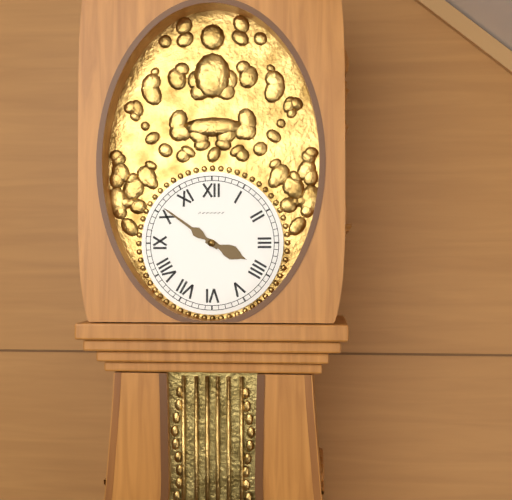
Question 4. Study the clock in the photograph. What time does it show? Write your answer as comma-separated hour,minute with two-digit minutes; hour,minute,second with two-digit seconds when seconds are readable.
3,51
